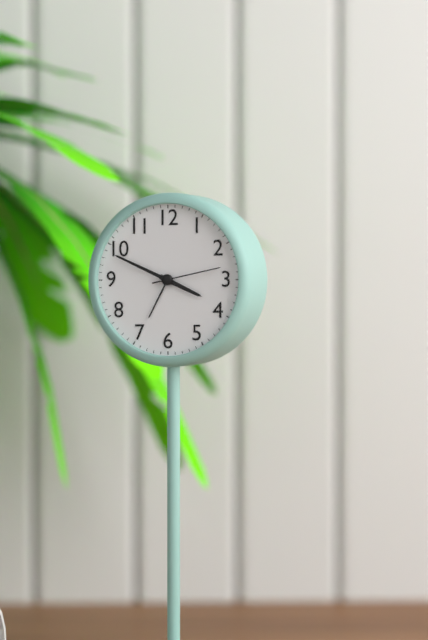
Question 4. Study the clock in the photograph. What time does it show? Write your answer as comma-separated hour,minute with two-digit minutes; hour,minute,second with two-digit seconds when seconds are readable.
3,49,13
